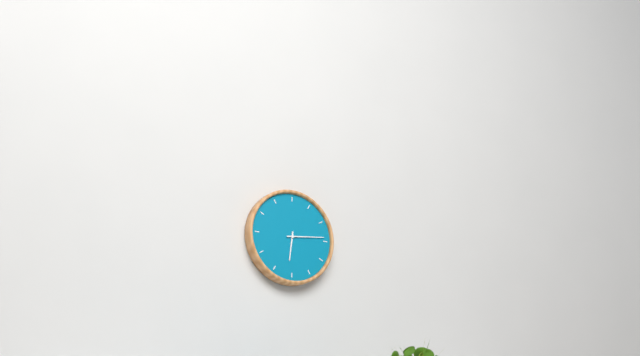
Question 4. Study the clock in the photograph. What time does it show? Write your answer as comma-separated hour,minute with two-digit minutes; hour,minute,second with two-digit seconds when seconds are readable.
6,14
